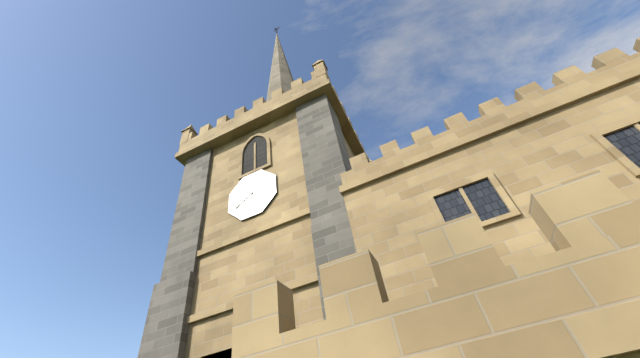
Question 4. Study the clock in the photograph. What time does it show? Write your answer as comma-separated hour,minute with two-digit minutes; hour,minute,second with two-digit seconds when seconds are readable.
3,40
